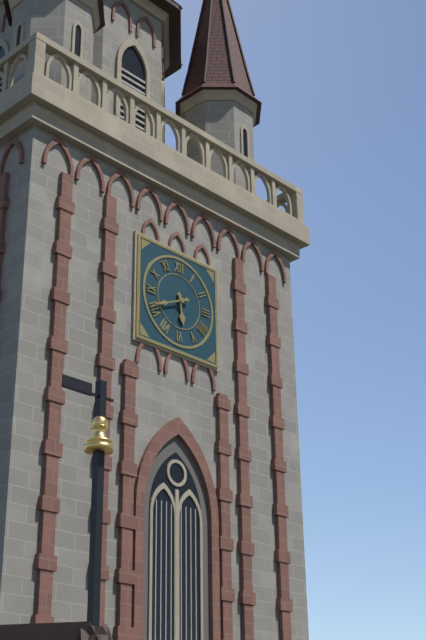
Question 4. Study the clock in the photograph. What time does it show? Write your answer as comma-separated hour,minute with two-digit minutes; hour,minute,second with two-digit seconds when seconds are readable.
5,41
